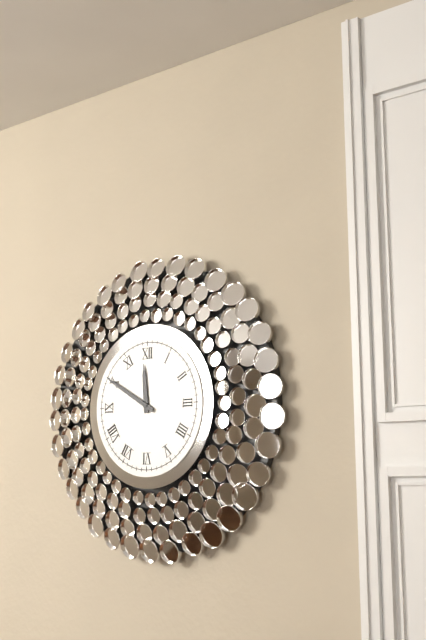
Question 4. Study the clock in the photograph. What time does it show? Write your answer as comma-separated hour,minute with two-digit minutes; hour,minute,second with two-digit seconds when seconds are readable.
11,50
